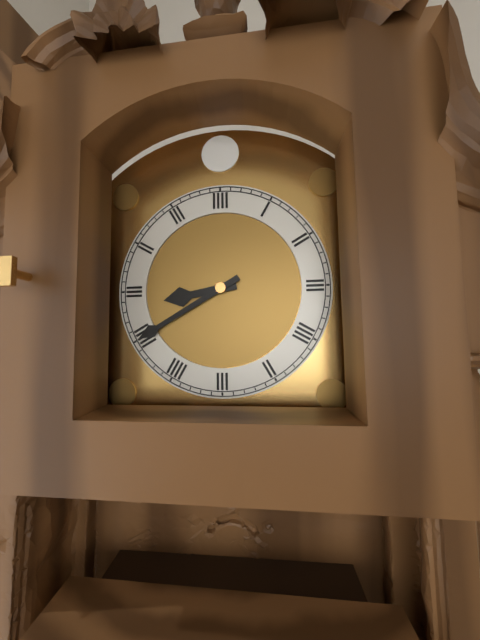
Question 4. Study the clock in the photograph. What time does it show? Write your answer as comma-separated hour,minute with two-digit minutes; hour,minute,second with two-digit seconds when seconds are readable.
8,40
